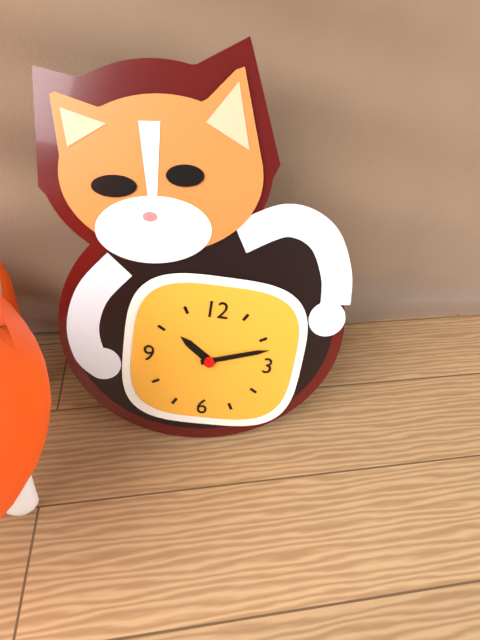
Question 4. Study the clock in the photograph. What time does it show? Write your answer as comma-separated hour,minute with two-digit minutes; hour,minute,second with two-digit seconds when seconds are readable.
10,12
